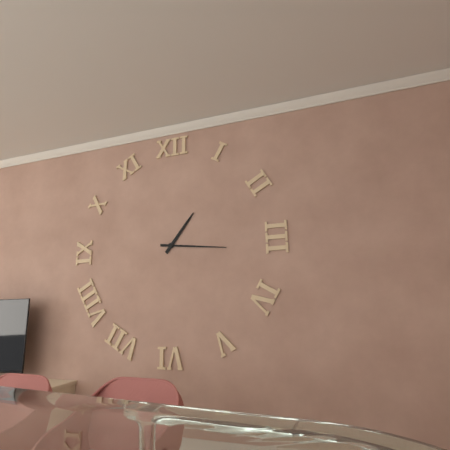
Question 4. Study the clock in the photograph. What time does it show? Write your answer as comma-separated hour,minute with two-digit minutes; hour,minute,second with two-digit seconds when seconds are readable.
1,16
